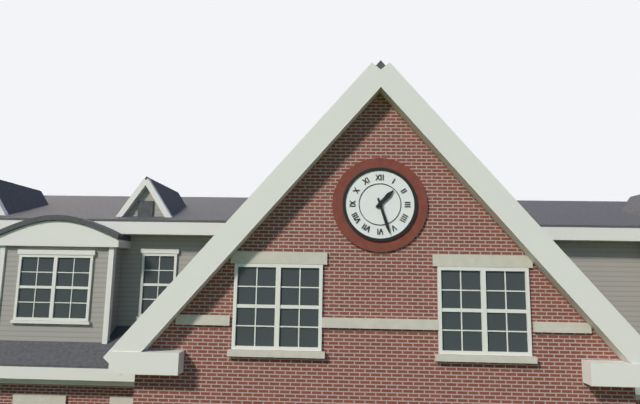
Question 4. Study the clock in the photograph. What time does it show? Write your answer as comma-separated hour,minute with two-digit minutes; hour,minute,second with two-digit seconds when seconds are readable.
1,27
